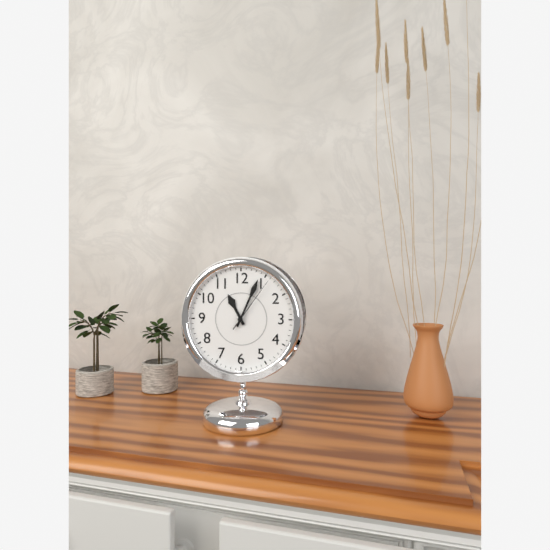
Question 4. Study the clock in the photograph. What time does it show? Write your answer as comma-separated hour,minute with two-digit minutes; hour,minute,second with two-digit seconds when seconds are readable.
11,04,06
